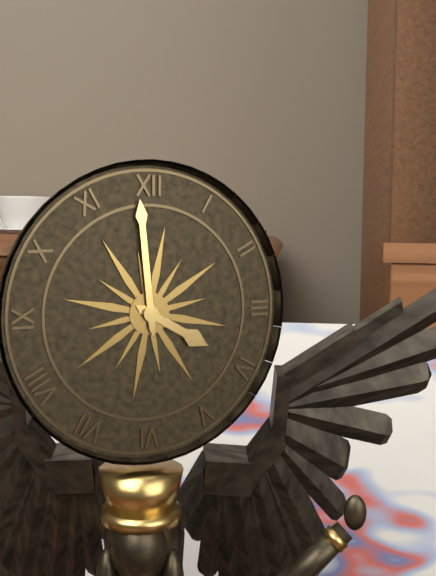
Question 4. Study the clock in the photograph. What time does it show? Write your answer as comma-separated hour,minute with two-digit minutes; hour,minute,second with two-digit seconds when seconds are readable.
3,59
